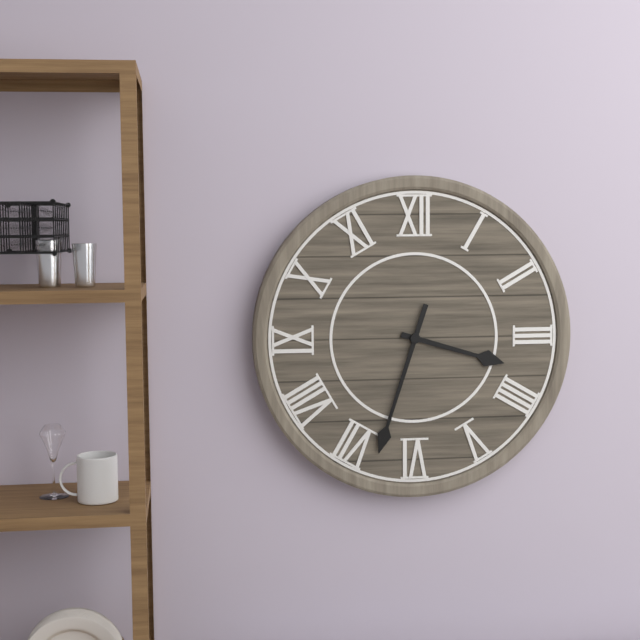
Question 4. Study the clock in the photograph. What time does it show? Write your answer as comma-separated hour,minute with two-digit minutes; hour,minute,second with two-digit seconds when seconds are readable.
3,33
